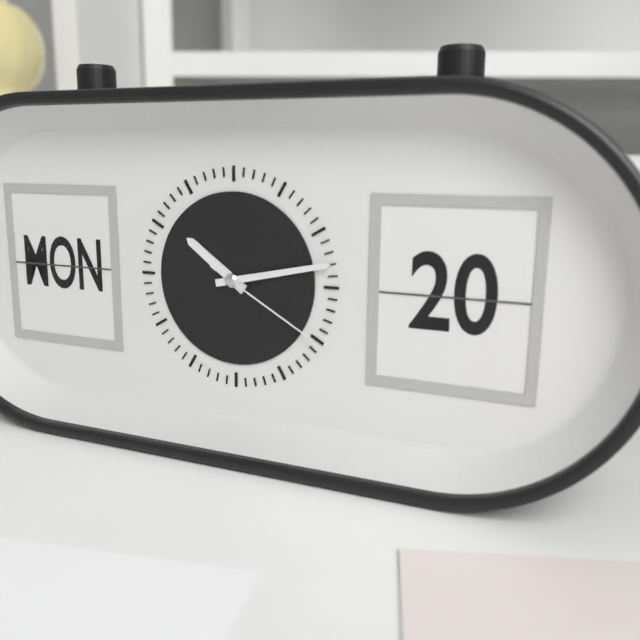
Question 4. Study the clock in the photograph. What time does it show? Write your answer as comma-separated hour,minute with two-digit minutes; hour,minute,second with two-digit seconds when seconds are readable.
10,13,20
